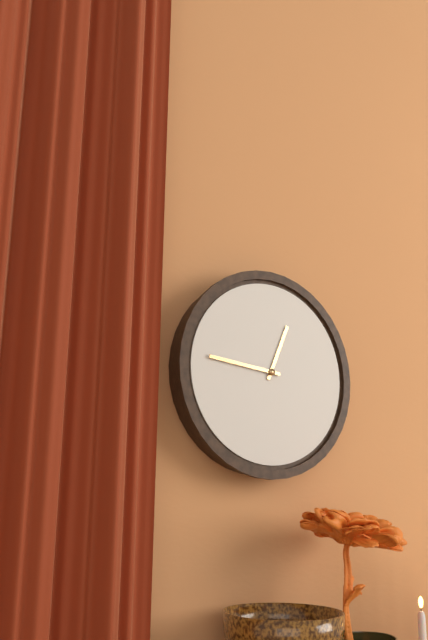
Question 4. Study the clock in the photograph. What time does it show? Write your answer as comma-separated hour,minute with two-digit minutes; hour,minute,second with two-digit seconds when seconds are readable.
12,46
